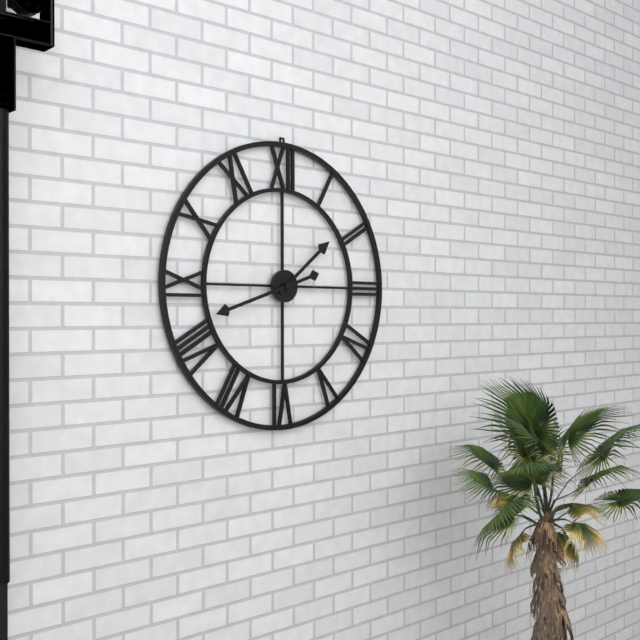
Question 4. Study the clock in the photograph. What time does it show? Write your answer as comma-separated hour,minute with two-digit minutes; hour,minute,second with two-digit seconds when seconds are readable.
1,42
